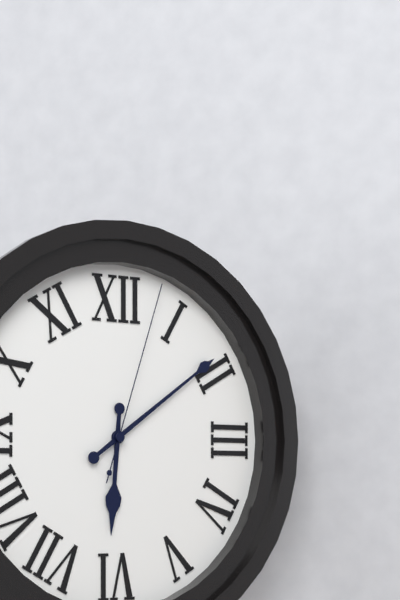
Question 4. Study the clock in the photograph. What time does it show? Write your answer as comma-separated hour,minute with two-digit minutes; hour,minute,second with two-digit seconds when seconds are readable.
6,09,03
